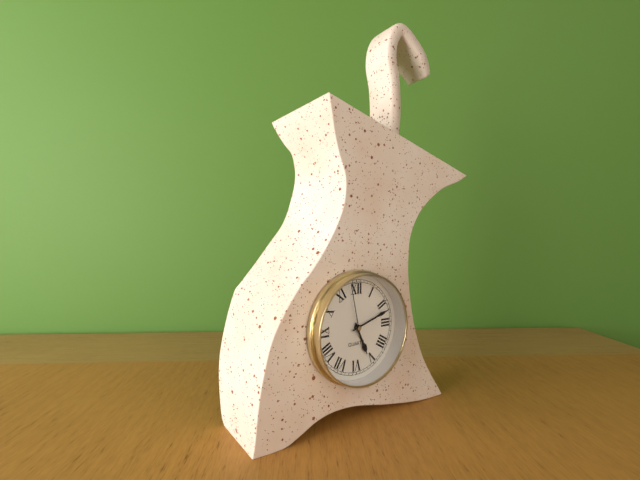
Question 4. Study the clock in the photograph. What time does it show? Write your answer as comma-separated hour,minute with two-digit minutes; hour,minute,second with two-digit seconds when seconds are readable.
5,12,58
